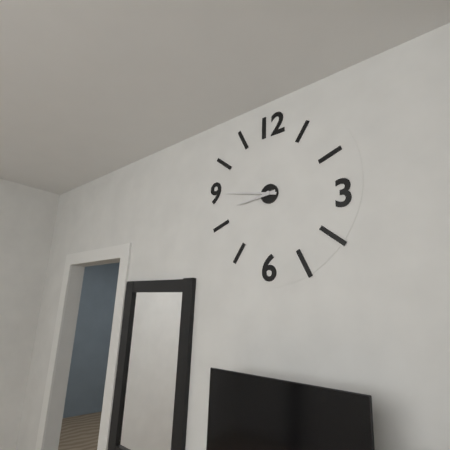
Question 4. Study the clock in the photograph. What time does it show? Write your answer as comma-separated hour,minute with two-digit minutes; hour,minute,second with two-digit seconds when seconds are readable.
8,47
